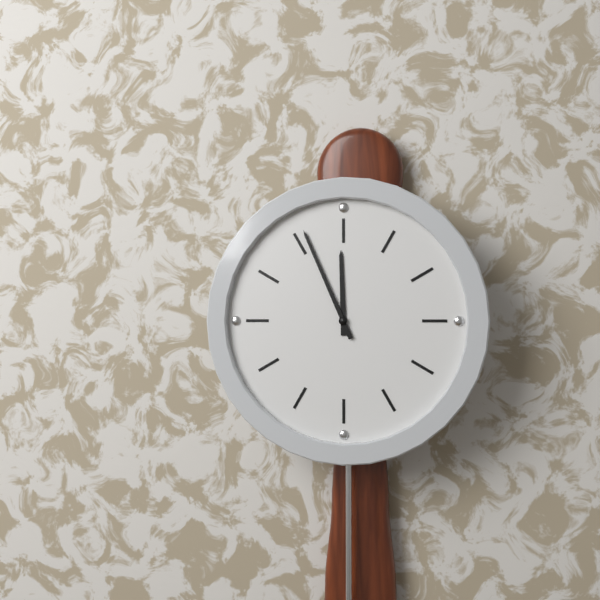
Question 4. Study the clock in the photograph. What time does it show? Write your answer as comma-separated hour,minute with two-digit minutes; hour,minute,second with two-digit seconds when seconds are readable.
11,56
